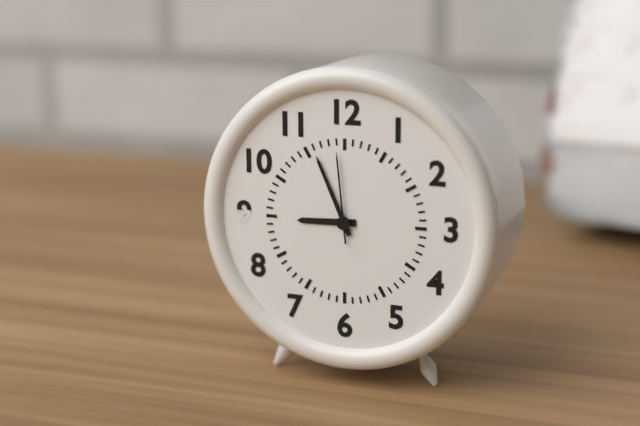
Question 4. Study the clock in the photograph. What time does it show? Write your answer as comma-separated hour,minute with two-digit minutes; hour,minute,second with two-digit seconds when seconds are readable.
8,56,59
